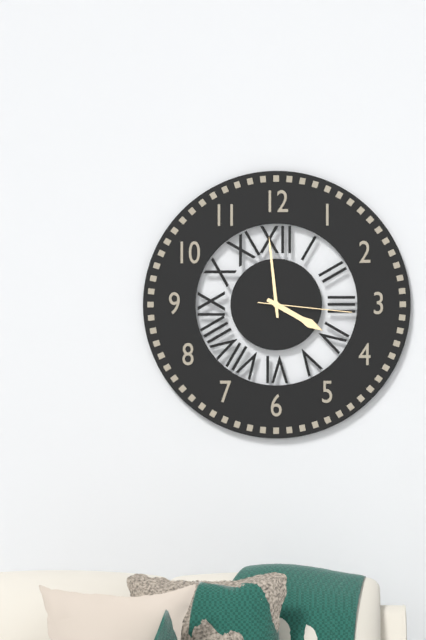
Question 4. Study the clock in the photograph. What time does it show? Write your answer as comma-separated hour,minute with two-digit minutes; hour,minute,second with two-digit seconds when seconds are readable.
3,59,16
